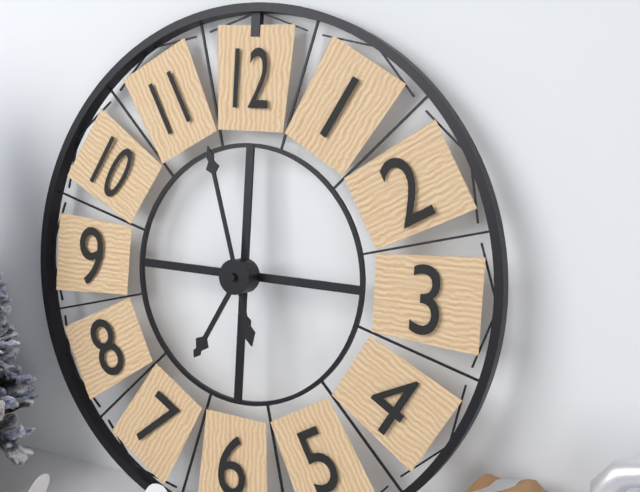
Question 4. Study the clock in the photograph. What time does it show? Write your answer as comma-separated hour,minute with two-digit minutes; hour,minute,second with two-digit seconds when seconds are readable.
6,57
